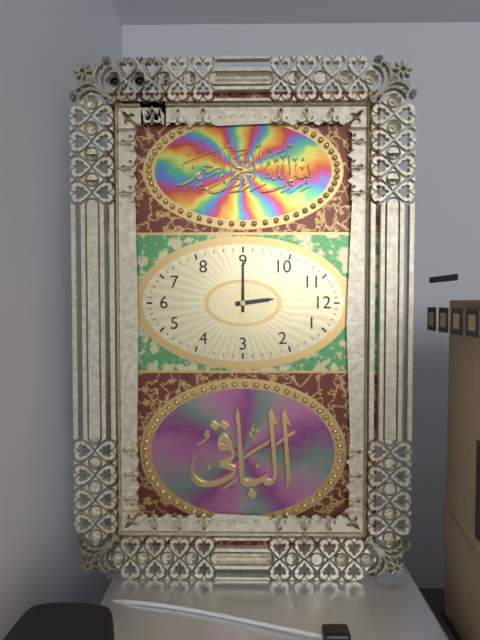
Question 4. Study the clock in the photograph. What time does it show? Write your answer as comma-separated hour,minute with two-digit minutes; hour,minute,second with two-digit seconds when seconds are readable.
11,45
